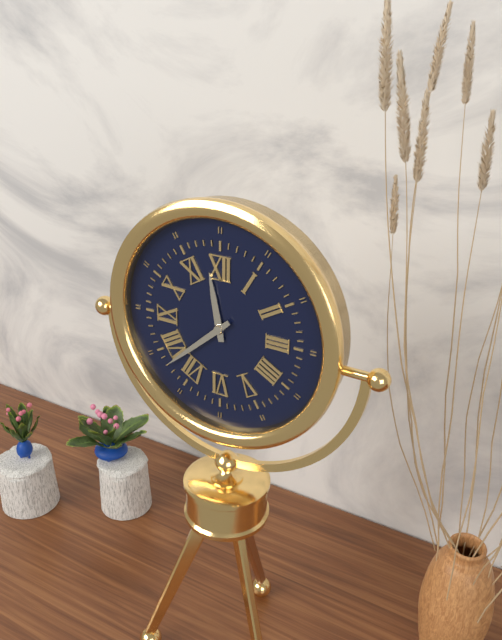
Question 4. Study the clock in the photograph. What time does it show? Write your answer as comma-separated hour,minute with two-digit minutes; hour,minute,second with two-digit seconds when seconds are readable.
11,38
